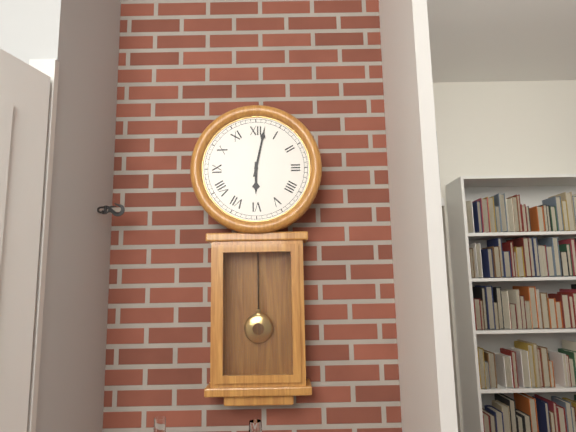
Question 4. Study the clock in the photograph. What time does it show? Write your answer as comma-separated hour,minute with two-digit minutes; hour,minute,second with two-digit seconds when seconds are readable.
6,02
